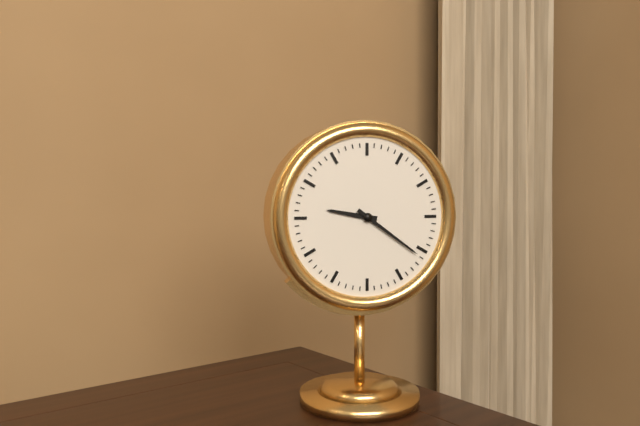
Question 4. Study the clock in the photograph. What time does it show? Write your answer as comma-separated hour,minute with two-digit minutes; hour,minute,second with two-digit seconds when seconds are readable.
9,21
